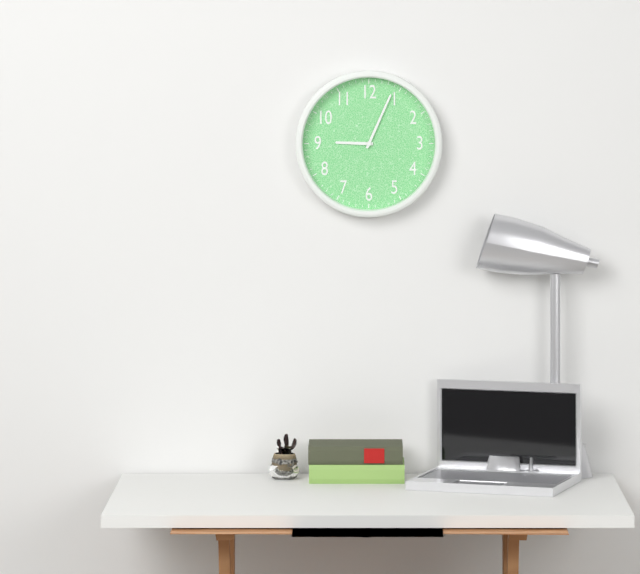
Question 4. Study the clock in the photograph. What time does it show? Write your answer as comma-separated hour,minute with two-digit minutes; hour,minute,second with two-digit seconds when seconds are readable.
9,04
